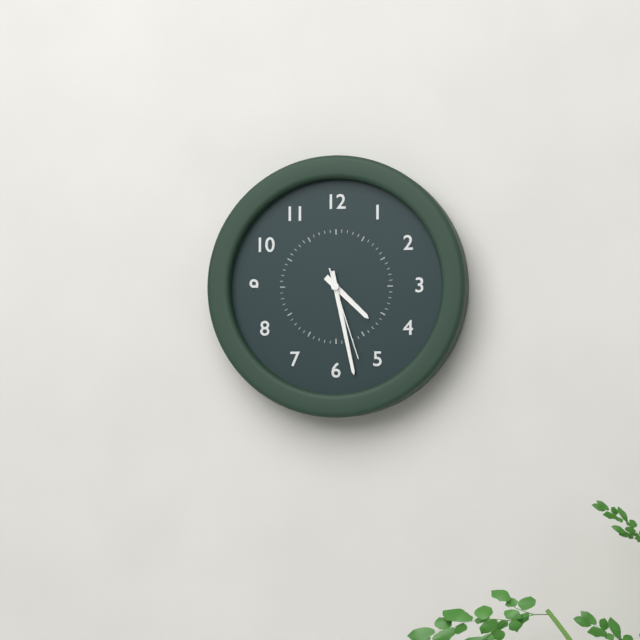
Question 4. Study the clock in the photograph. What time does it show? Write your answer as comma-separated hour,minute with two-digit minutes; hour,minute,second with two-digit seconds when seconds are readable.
4,28,27
